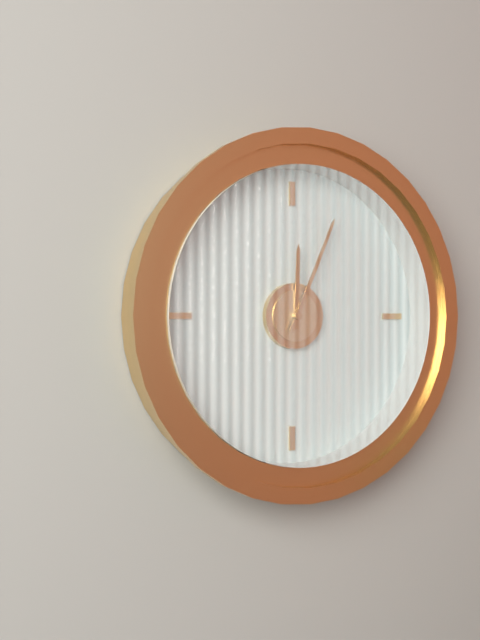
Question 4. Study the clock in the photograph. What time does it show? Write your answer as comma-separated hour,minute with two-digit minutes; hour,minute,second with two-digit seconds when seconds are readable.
12,04
